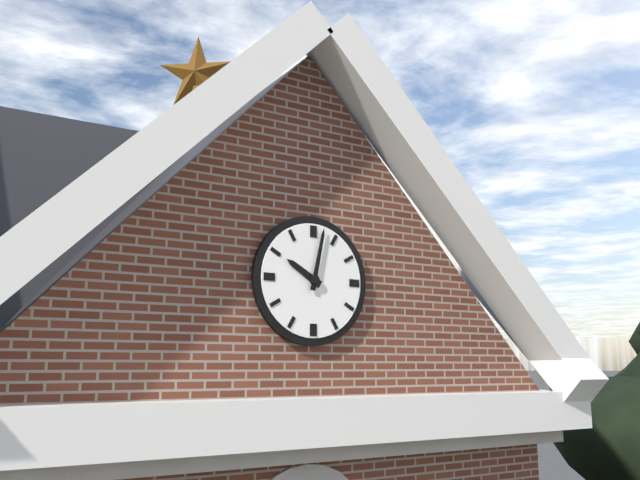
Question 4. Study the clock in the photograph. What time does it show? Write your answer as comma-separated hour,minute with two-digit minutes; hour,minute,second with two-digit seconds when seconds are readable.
10,02
